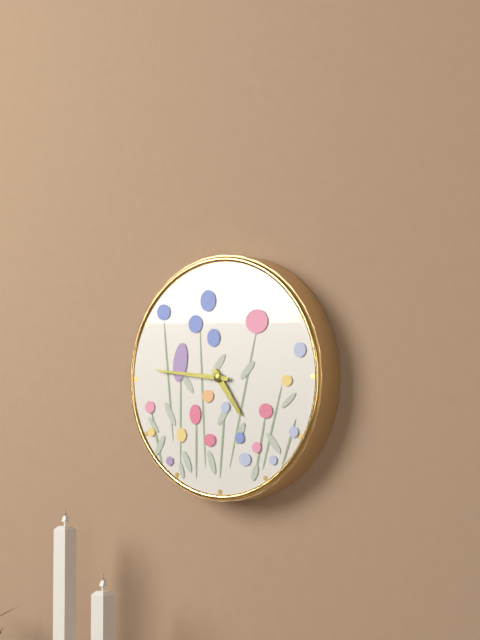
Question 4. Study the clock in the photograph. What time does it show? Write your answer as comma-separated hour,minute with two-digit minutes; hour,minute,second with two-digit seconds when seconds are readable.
4,46
